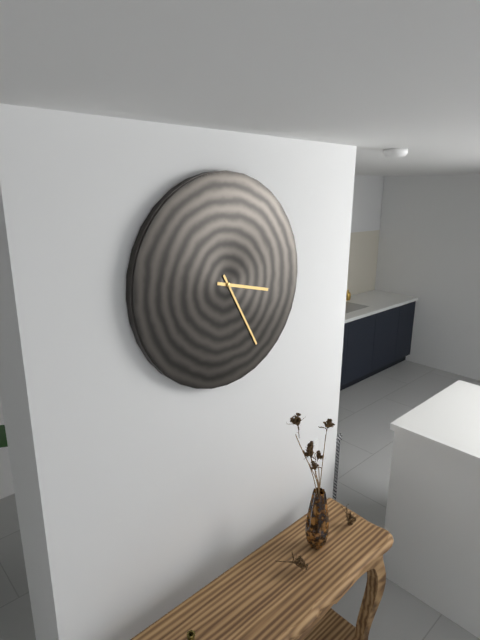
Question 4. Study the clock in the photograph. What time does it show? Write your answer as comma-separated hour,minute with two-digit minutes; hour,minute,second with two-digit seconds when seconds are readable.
3,25
